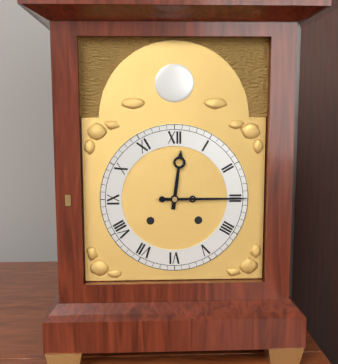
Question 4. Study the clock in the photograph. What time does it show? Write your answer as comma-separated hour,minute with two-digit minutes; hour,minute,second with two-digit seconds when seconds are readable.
12,15
